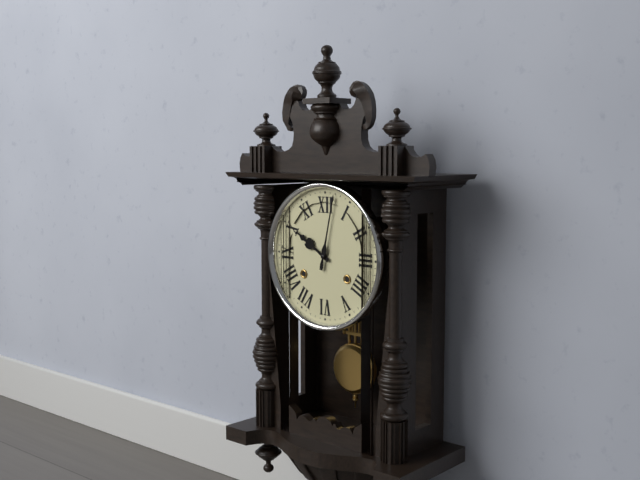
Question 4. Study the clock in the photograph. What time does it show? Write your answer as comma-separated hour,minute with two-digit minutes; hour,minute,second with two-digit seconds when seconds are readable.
10,02
